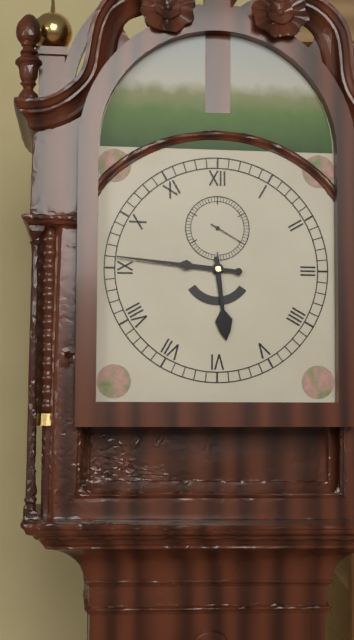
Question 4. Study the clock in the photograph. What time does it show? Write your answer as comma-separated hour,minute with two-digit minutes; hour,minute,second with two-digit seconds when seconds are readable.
5,46
